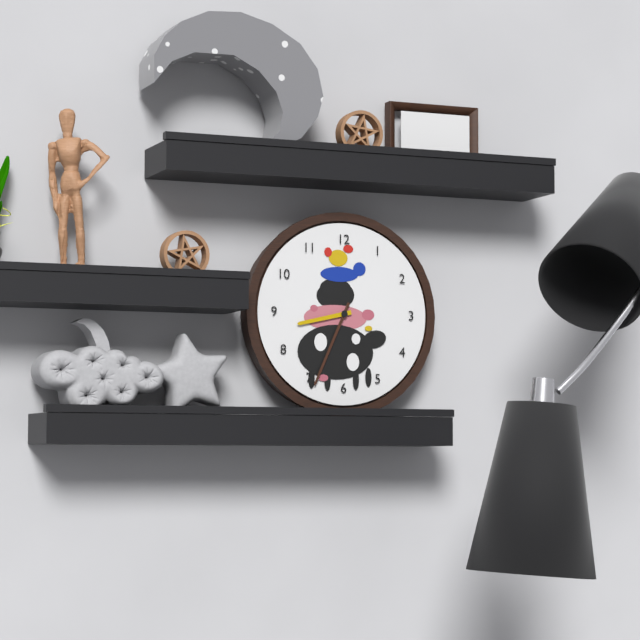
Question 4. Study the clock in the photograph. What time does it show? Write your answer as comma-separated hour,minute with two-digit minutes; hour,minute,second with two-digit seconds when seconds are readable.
8,34
